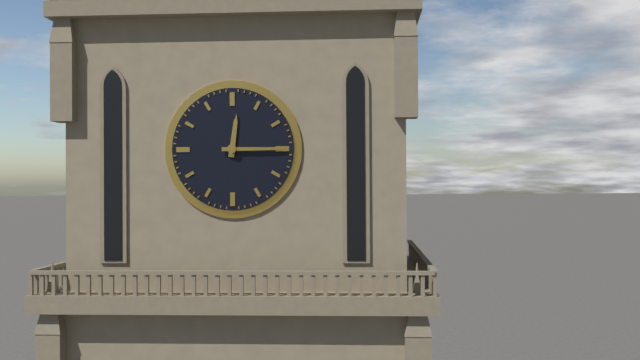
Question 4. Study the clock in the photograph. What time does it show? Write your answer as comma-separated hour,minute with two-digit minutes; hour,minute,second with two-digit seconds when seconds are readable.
12,15
